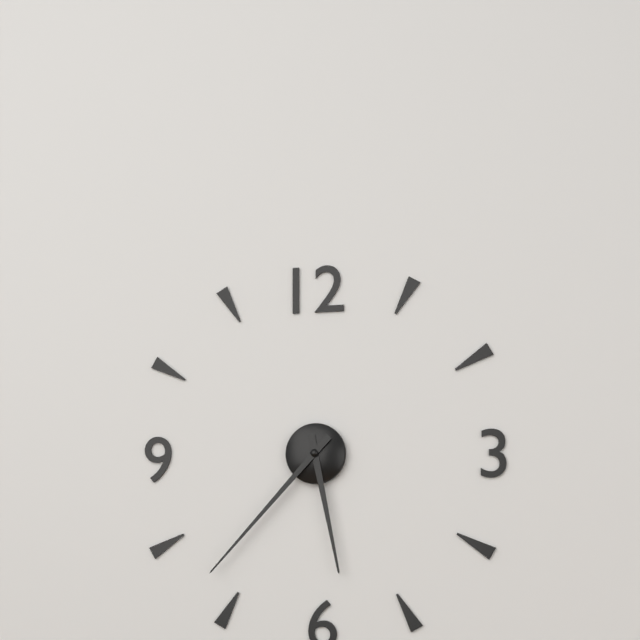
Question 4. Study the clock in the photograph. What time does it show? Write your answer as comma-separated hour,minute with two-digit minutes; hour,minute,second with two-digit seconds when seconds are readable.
5,37
